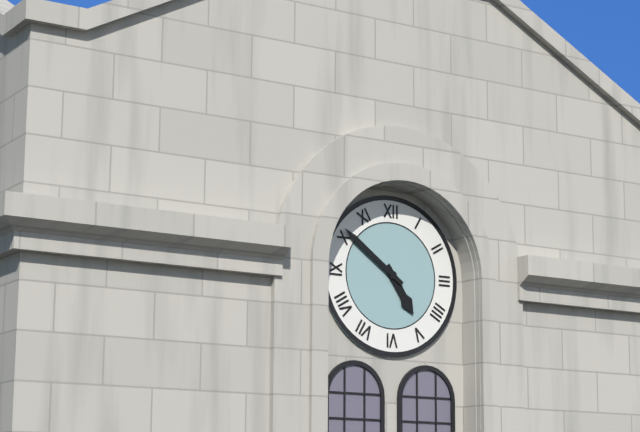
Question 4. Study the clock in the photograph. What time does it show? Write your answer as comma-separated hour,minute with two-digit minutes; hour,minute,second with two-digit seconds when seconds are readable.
4,51
